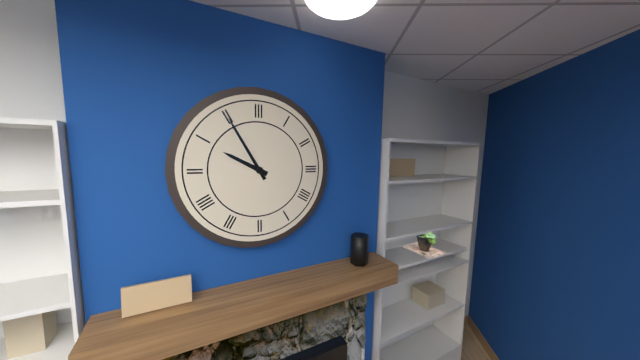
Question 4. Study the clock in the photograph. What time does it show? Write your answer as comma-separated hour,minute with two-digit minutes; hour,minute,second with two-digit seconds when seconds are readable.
9,55
